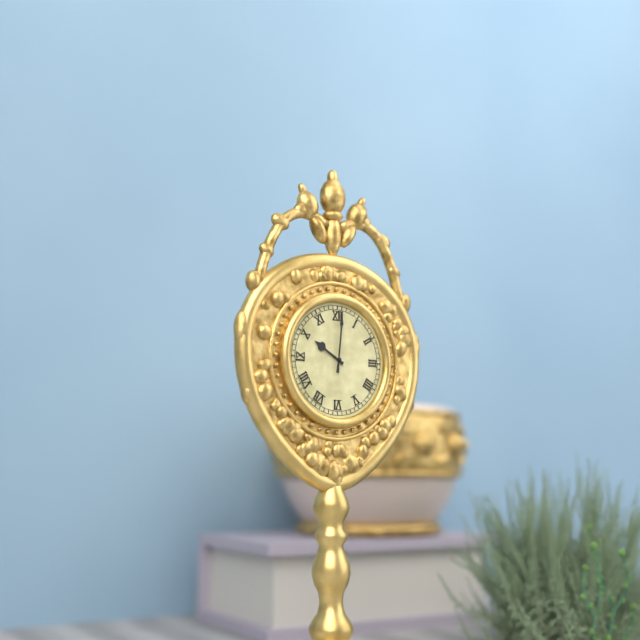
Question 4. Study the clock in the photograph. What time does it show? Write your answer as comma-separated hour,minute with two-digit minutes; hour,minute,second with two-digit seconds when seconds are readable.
10,01
